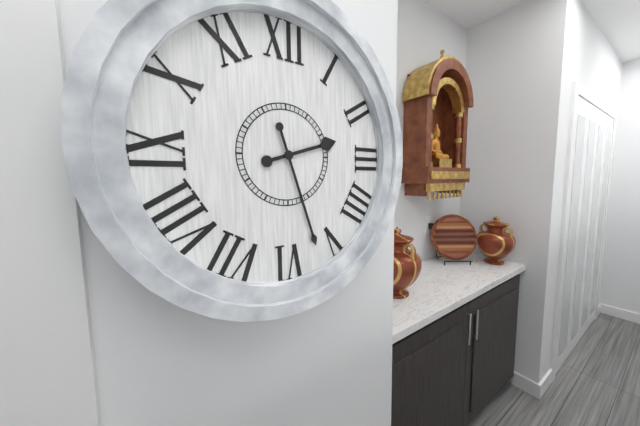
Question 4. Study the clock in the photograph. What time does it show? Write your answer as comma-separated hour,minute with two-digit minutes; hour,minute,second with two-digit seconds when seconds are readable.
2,27
